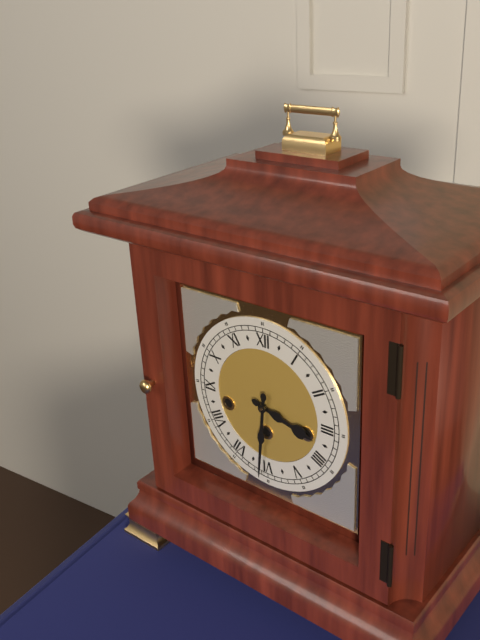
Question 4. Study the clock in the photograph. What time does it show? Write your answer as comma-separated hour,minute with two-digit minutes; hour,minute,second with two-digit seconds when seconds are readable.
3,31
